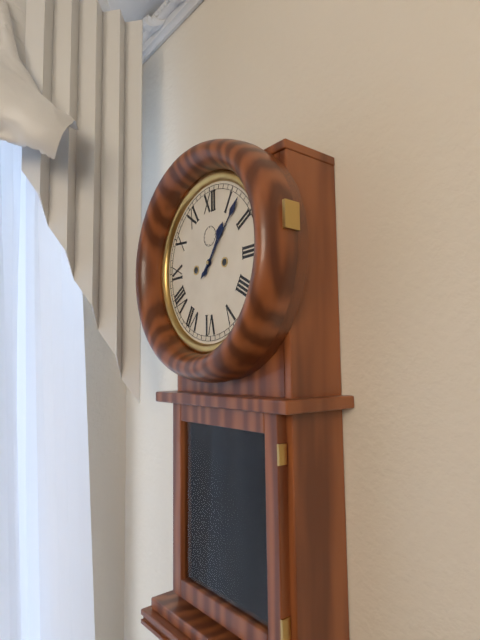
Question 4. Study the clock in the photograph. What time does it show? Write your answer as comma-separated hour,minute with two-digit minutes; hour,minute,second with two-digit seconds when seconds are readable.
1,07
